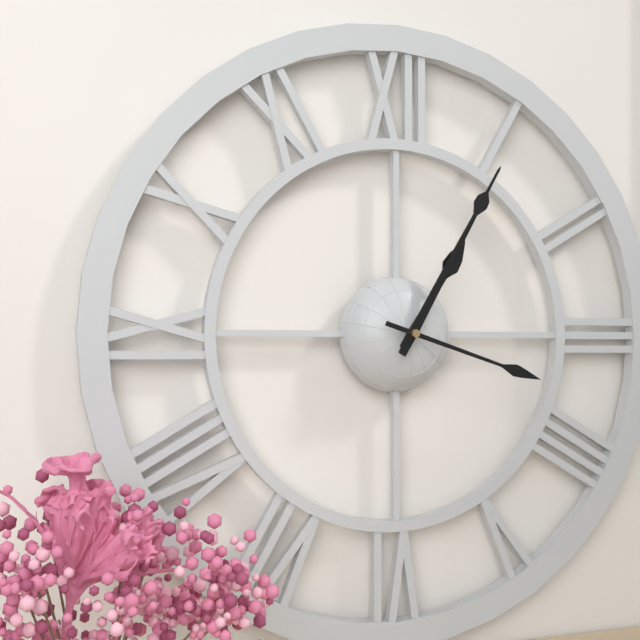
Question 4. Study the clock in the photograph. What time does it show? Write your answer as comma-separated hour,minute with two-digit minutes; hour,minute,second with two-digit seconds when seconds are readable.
1,05,18
